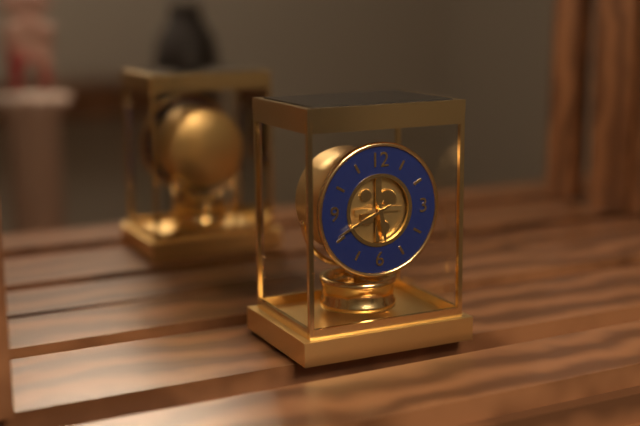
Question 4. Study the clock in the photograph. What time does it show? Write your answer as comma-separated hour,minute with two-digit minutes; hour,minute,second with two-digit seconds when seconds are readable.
5,41
